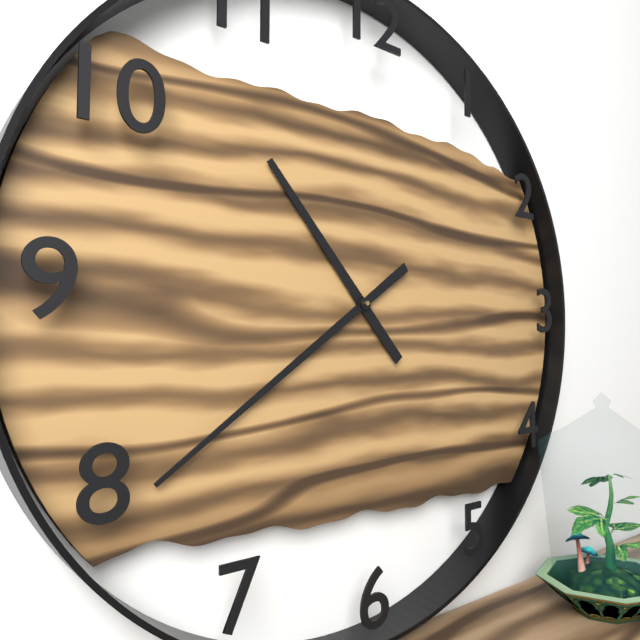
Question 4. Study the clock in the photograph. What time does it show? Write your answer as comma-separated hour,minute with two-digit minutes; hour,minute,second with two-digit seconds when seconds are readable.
10,39
